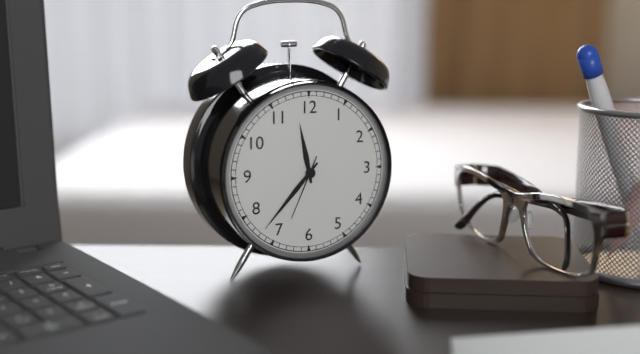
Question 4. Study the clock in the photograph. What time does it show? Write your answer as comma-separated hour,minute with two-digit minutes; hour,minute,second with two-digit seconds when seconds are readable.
11,37,34
